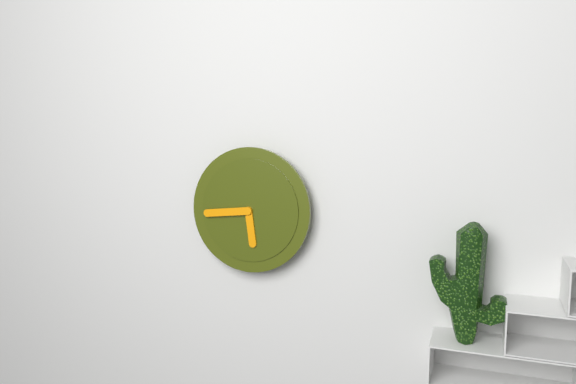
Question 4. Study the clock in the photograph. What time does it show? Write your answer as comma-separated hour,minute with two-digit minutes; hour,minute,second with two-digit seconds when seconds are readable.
5,44
